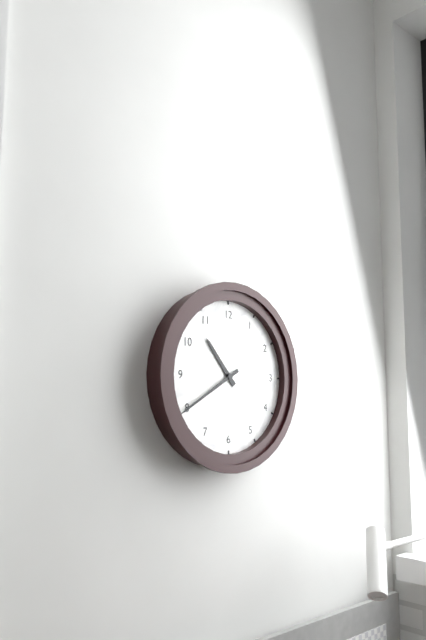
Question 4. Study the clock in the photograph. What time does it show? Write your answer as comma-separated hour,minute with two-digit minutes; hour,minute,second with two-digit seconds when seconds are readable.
10,40
